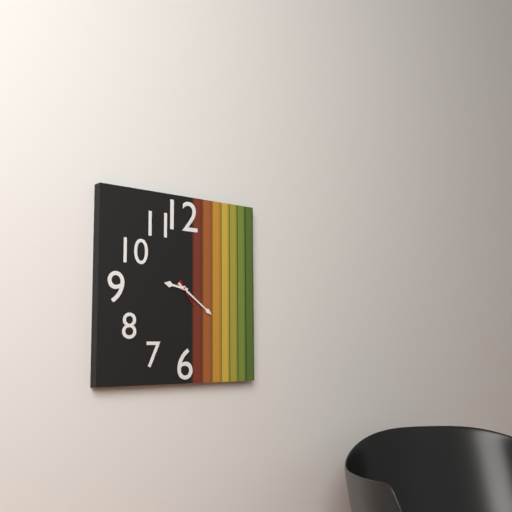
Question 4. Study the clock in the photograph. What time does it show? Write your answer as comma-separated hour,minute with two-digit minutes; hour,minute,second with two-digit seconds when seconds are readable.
9,21
